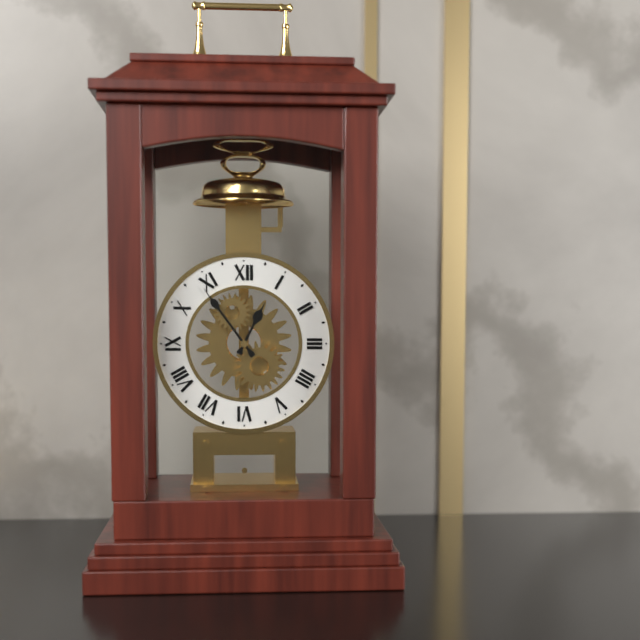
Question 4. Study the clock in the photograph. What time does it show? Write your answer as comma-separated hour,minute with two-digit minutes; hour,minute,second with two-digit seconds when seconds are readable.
12,54
